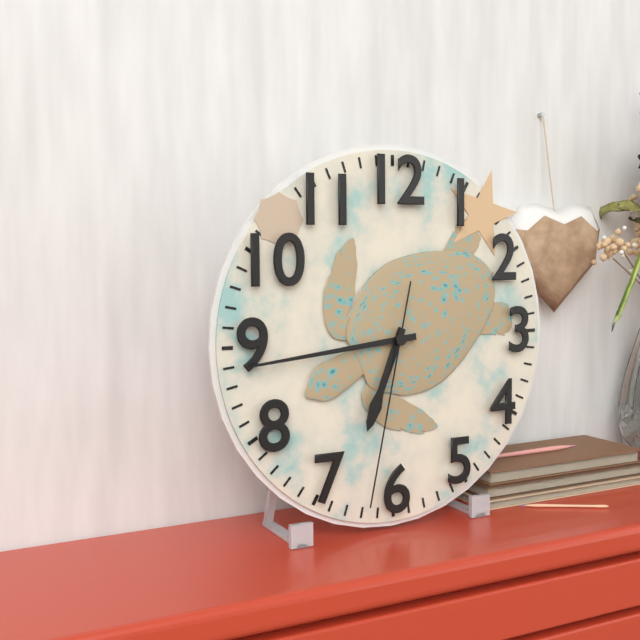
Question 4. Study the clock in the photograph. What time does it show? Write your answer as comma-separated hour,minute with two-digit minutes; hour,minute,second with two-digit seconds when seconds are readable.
6,44,32
